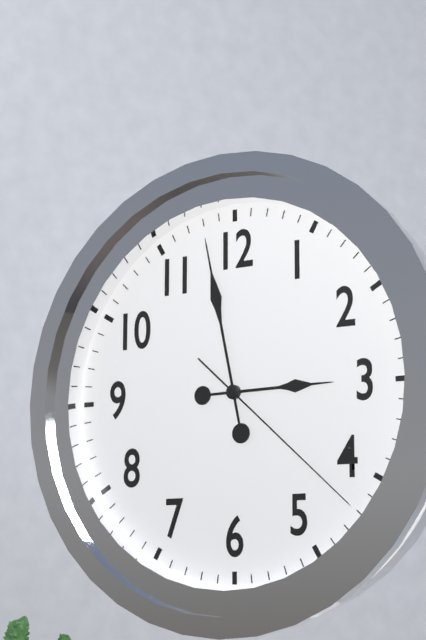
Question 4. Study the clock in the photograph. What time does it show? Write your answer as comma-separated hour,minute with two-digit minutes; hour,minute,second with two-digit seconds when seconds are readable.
2,58,22
